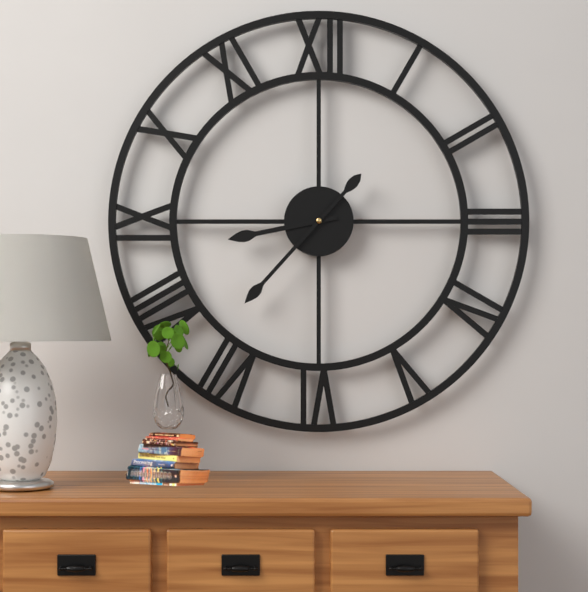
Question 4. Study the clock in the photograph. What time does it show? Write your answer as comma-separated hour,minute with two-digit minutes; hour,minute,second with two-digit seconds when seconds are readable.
8,37
